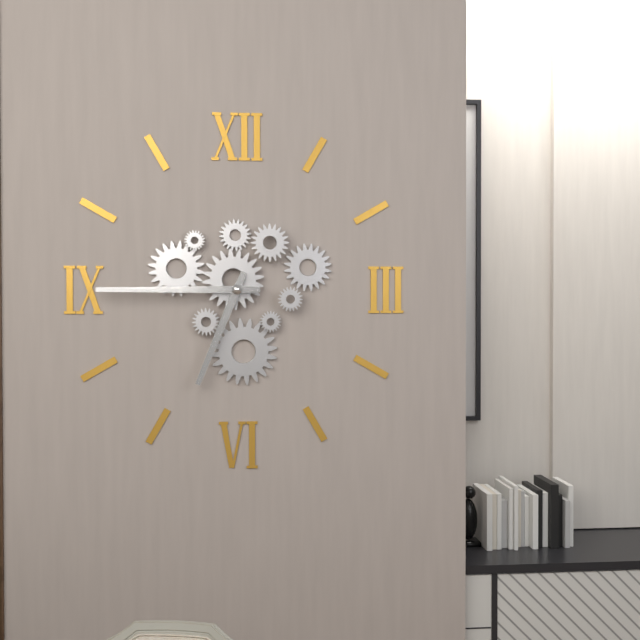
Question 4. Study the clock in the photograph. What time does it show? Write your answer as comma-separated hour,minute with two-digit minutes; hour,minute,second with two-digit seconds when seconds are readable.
6,45
